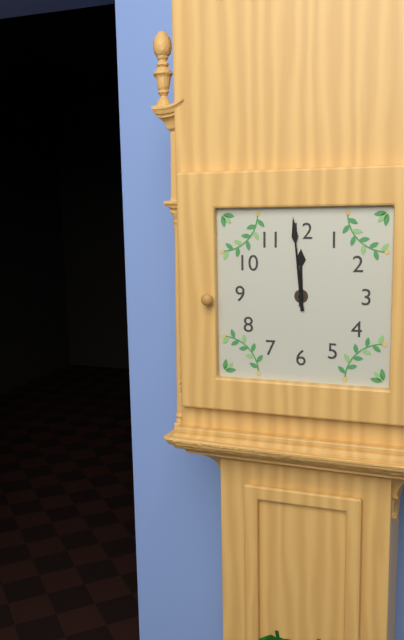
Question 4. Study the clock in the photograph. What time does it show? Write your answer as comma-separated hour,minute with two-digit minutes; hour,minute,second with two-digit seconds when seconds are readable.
11,59
